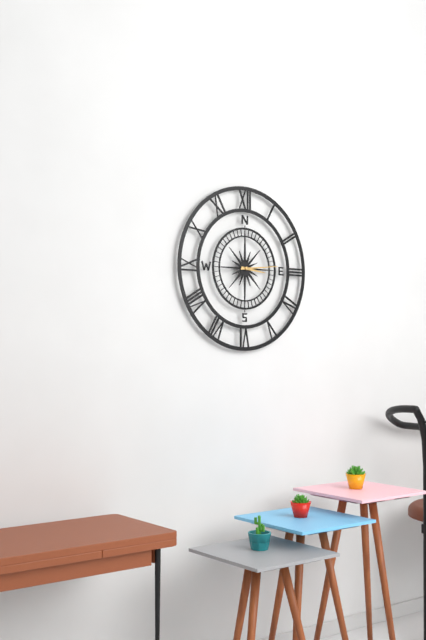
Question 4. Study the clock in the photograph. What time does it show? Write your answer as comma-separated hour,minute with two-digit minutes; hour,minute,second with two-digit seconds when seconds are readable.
3,14
